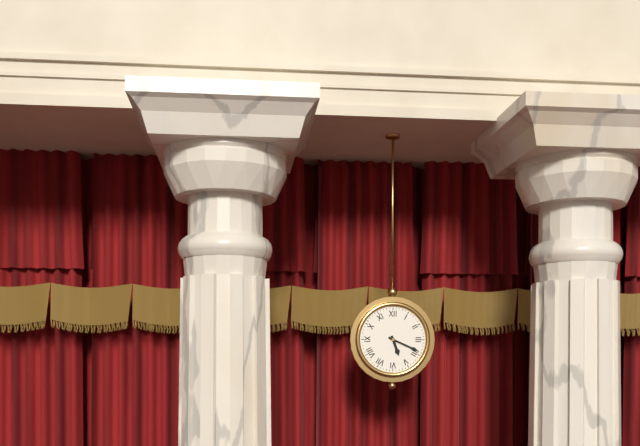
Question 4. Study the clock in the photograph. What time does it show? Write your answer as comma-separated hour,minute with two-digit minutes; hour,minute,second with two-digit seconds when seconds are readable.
5,19
